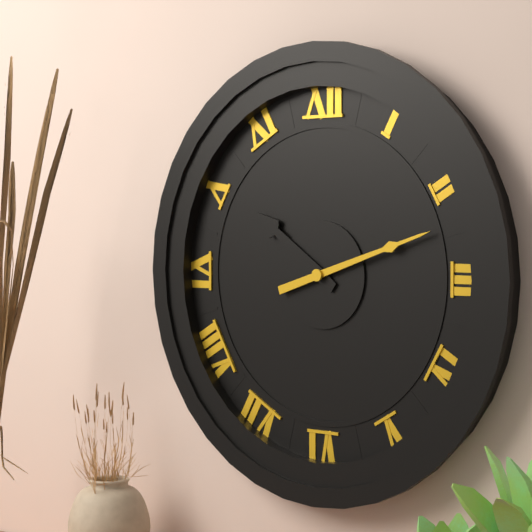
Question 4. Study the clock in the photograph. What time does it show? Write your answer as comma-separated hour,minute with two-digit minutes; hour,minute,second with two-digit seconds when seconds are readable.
10,12
